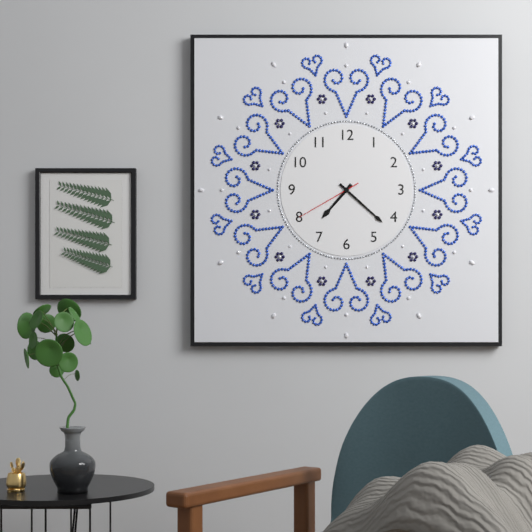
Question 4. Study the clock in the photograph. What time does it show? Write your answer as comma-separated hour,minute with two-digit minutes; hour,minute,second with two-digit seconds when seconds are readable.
7,22,40
